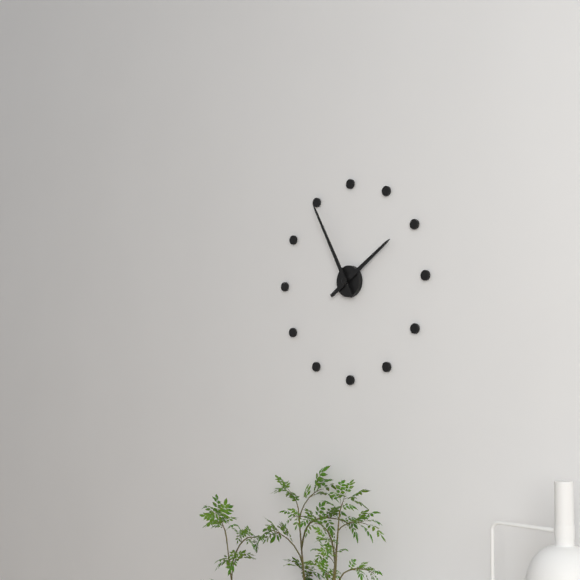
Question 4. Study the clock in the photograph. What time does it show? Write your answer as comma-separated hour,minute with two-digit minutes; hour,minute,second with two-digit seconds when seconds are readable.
1,55
